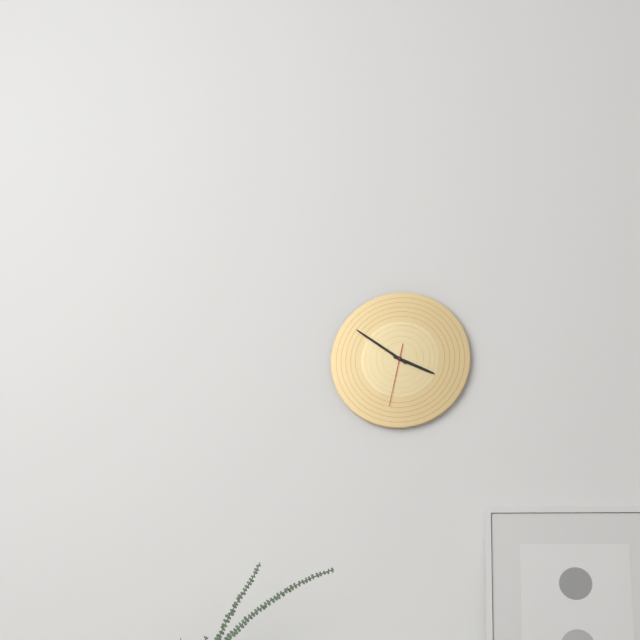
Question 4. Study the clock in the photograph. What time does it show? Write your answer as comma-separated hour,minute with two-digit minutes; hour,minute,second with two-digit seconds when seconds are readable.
3,51,32
